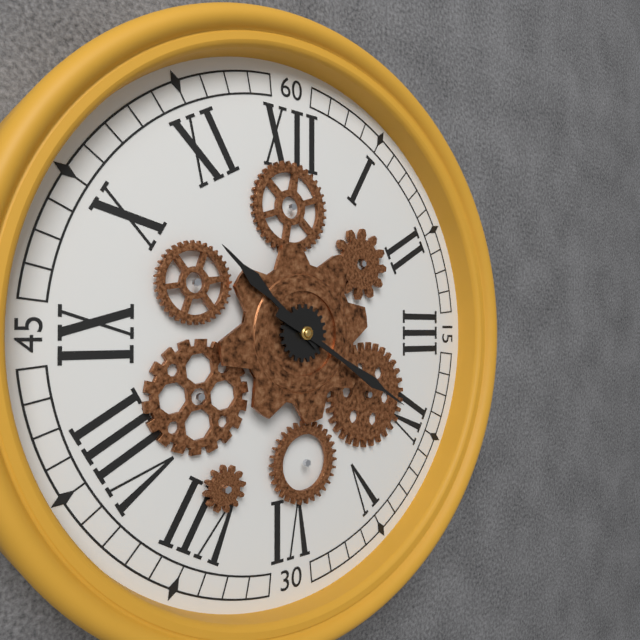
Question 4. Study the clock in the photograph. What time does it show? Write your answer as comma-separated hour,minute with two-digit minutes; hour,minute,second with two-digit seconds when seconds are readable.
10,20
